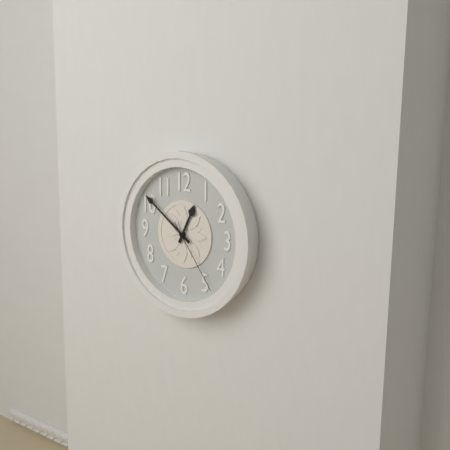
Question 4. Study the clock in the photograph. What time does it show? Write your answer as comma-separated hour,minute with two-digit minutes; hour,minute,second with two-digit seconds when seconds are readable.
12,51,24
